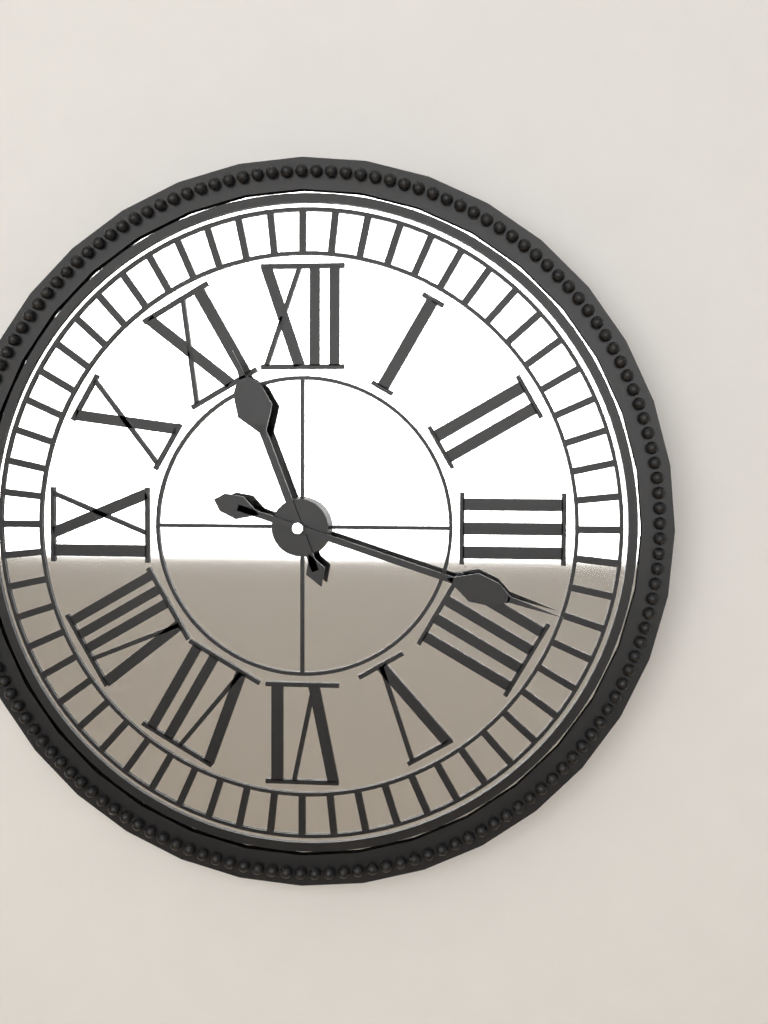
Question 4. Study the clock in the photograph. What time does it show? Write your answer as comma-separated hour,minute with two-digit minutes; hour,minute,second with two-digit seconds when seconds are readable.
11,18
